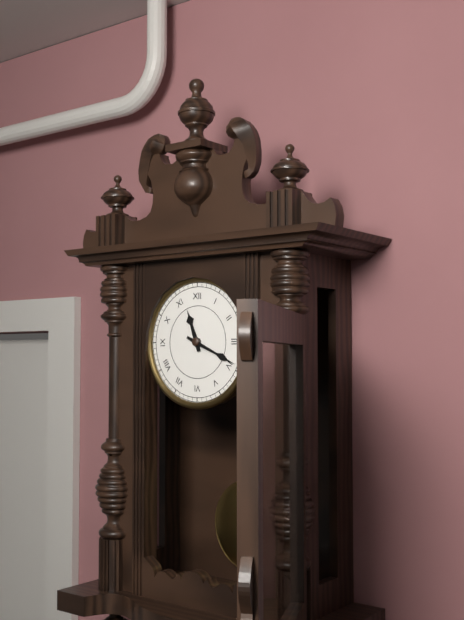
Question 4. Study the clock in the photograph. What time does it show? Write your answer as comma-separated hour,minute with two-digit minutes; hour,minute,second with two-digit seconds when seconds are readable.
11,19
